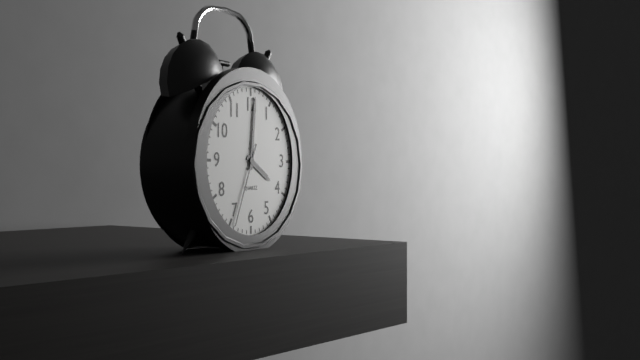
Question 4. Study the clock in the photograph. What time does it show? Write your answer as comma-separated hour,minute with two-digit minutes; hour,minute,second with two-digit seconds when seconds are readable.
4,01,34
